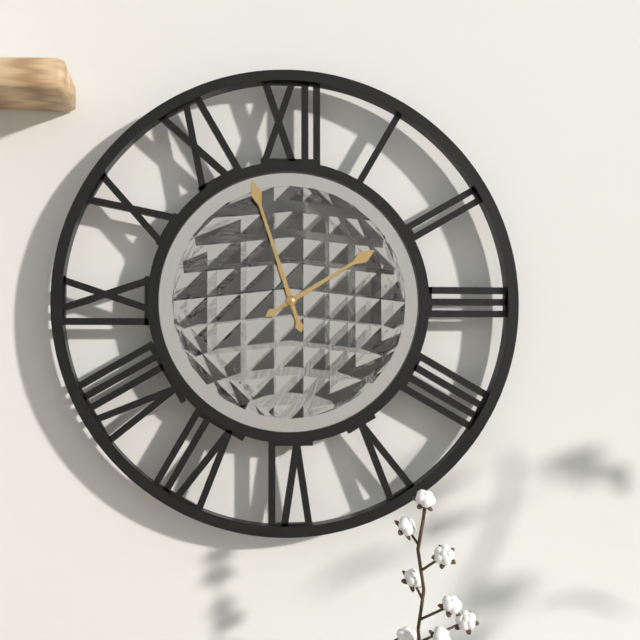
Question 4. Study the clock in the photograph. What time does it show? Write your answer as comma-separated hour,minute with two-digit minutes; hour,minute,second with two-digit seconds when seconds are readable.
1,57
